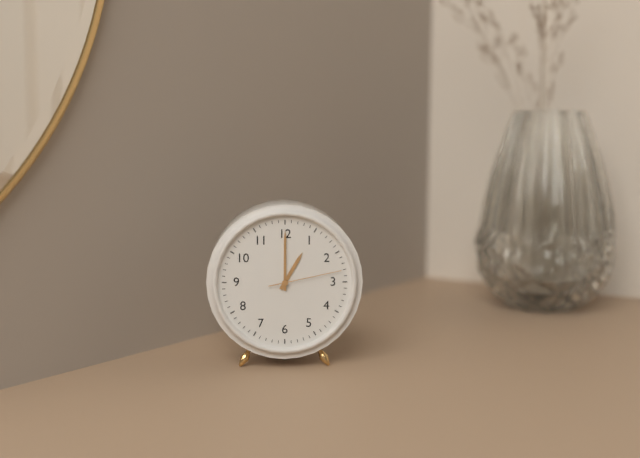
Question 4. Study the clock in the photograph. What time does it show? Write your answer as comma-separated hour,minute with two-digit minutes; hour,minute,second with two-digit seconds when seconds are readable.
1,00,13
